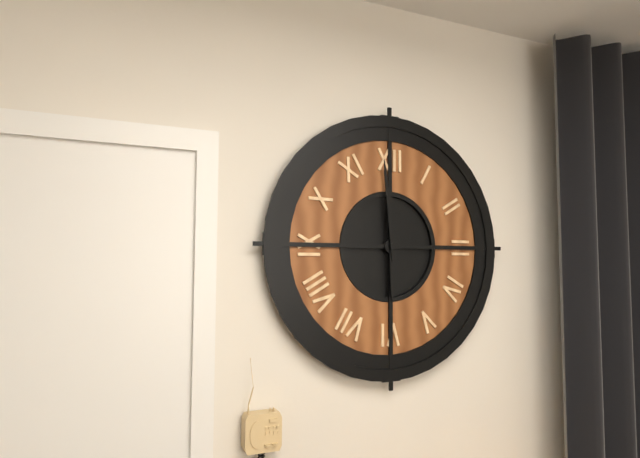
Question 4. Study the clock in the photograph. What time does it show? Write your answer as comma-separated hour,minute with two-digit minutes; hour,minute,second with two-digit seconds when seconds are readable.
5,59
